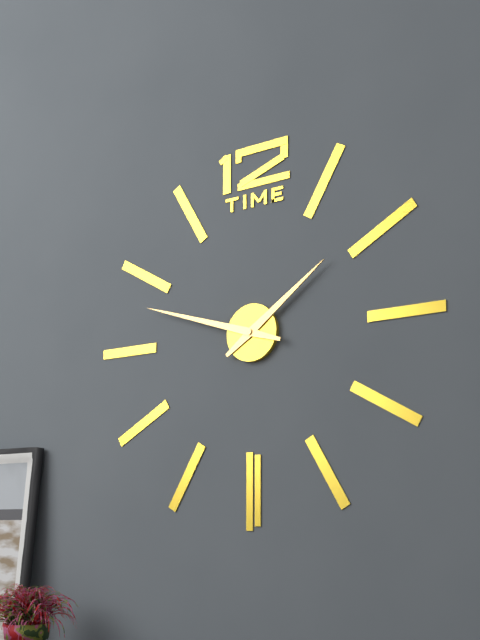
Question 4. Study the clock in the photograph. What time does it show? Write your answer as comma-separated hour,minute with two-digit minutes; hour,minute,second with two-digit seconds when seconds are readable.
1,48
